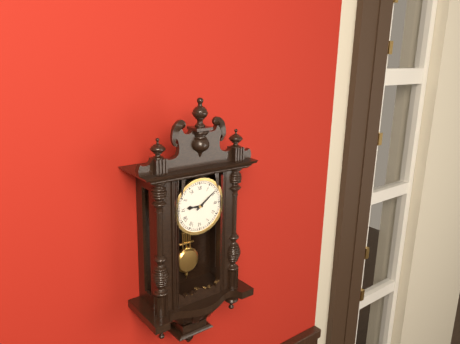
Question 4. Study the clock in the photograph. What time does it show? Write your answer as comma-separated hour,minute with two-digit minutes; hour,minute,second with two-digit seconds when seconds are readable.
9,09
